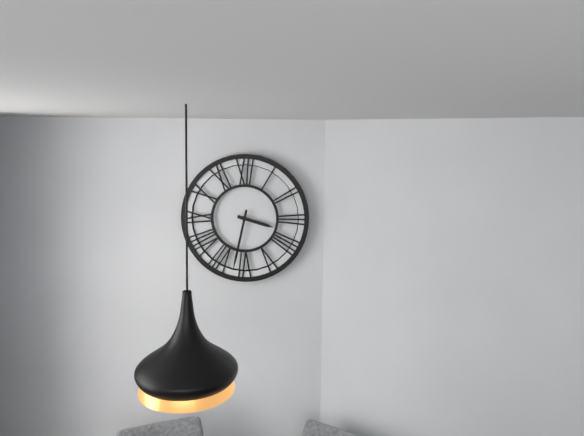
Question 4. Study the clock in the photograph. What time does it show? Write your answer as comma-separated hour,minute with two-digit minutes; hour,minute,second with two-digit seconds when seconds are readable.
3,32
